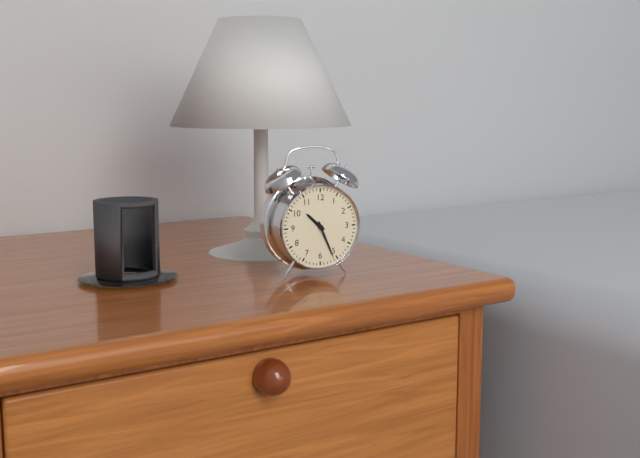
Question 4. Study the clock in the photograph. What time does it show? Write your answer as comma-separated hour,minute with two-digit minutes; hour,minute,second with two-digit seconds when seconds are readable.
10,26
